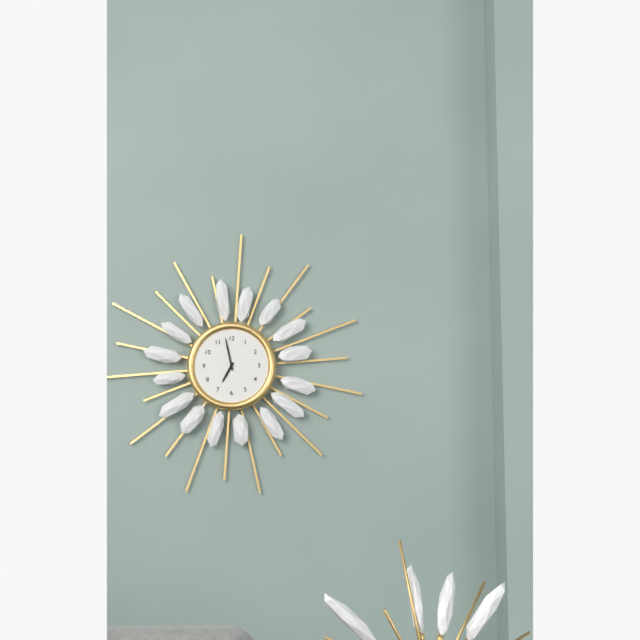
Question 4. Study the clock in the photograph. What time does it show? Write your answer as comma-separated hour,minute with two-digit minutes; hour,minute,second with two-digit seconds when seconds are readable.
6,58
